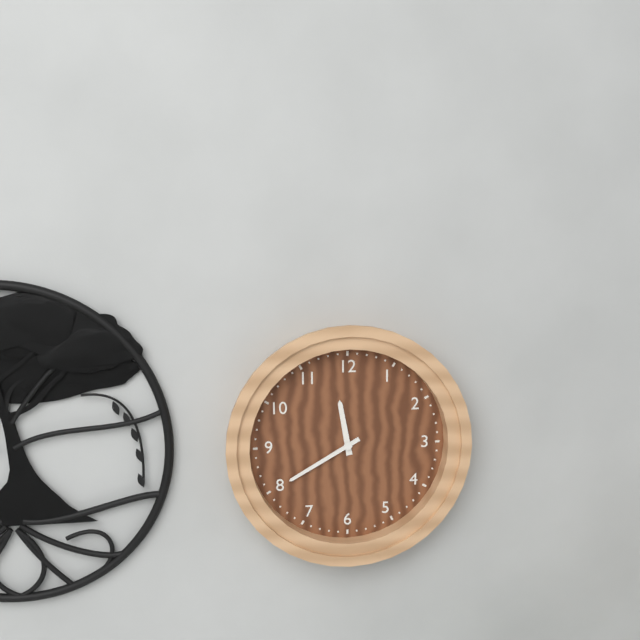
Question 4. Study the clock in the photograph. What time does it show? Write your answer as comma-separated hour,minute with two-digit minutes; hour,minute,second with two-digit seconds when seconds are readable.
11,40
